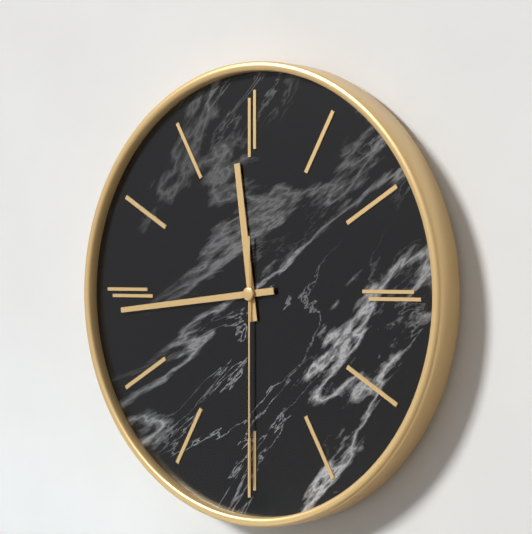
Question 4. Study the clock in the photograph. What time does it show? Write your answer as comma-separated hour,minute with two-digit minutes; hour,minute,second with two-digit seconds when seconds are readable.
11,44,30
